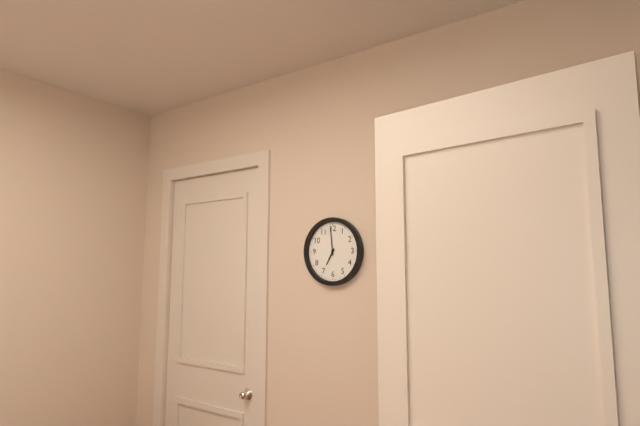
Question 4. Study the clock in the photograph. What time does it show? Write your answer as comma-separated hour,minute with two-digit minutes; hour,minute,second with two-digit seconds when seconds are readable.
6,59
